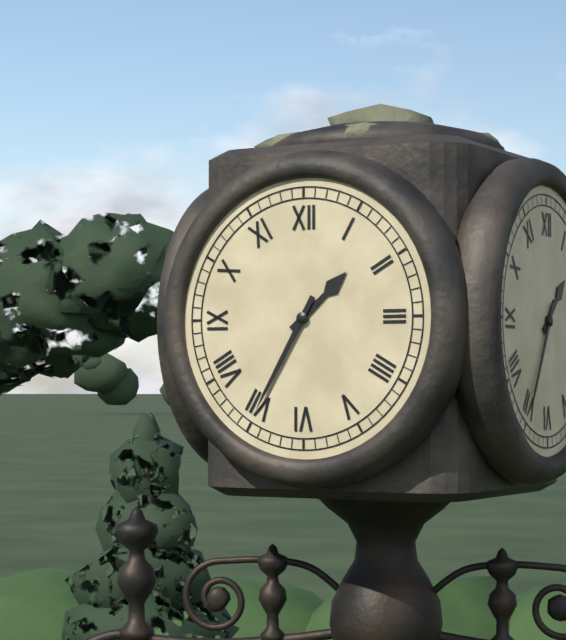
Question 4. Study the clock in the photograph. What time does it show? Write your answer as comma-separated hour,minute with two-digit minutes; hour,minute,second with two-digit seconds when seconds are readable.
1,35
